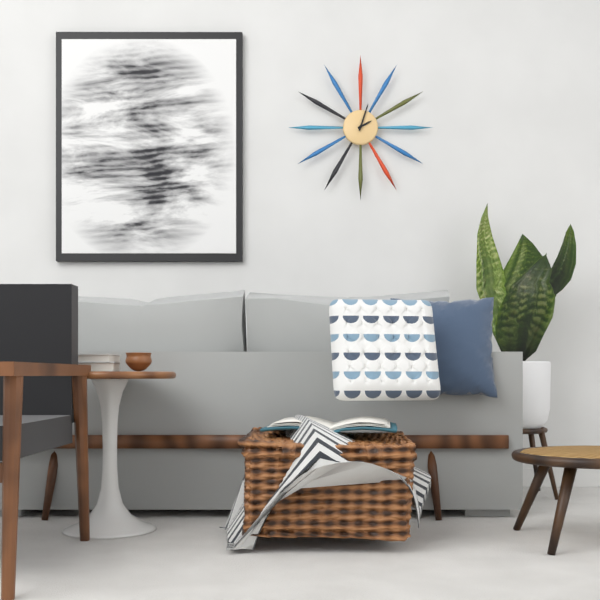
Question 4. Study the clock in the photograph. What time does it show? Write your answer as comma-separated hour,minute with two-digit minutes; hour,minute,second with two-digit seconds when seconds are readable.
2,03
